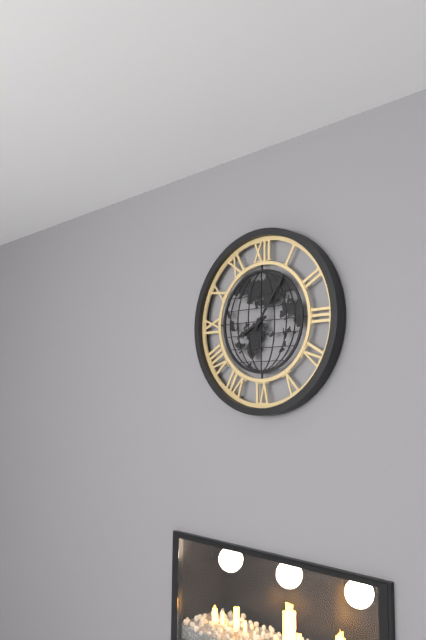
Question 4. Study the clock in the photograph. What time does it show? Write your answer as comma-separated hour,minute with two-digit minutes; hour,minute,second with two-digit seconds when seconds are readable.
8,06
